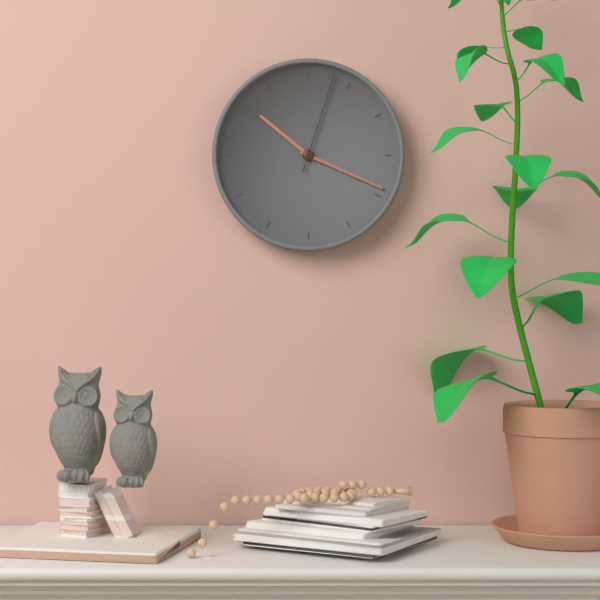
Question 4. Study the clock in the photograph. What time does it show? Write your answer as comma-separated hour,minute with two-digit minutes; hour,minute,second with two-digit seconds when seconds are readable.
10,19,03
